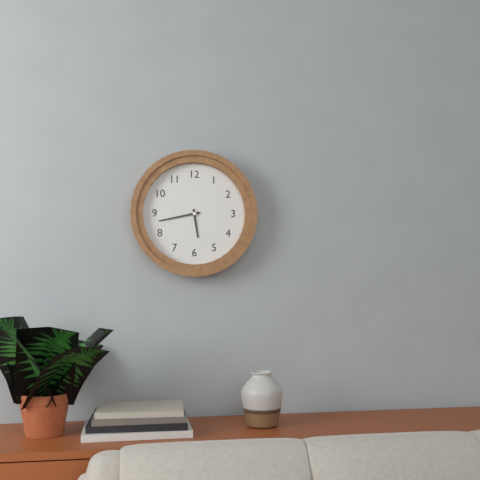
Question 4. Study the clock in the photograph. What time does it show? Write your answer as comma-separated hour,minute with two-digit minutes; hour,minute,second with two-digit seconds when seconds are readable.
5,43
